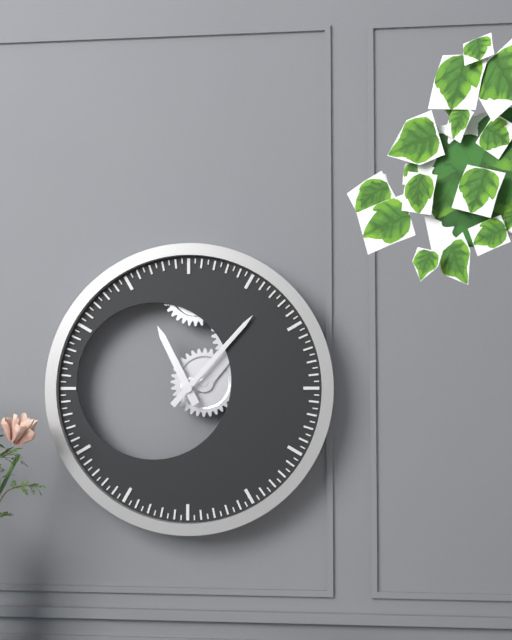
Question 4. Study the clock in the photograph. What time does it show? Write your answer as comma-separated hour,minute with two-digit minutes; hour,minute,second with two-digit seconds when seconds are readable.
11,07
